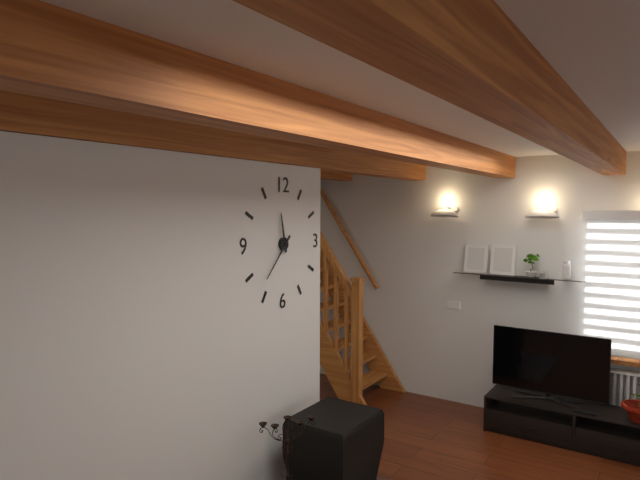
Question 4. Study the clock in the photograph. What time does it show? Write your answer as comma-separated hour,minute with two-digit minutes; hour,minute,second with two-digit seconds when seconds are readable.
11,37
